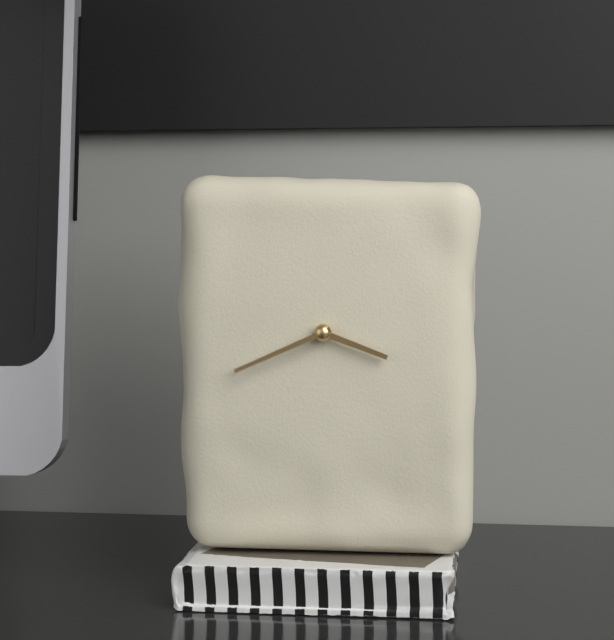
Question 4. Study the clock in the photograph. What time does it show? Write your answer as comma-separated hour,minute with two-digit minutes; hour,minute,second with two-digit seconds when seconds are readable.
3,41
